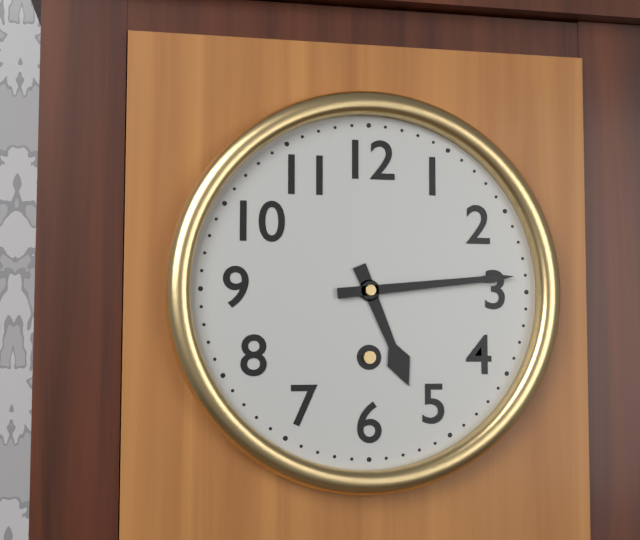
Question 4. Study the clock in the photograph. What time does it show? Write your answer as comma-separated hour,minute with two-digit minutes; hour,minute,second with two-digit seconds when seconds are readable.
5,14
